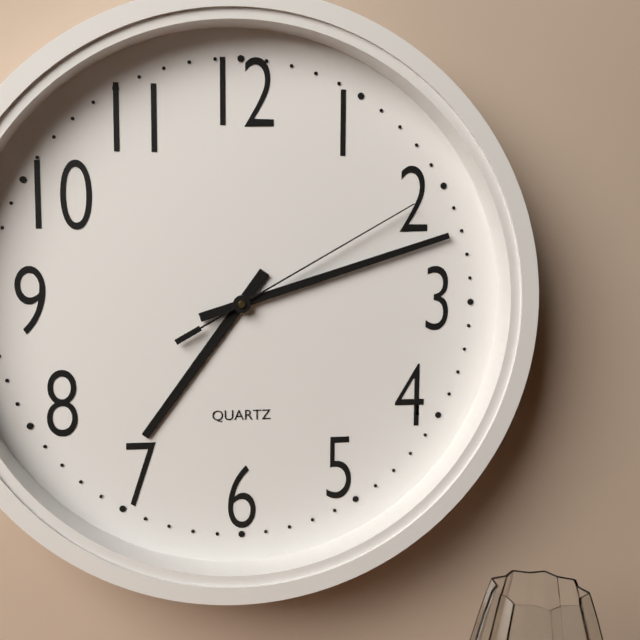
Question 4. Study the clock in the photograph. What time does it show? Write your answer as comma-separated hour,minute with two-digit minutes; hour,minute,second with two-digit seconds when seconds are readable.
7,12,10
